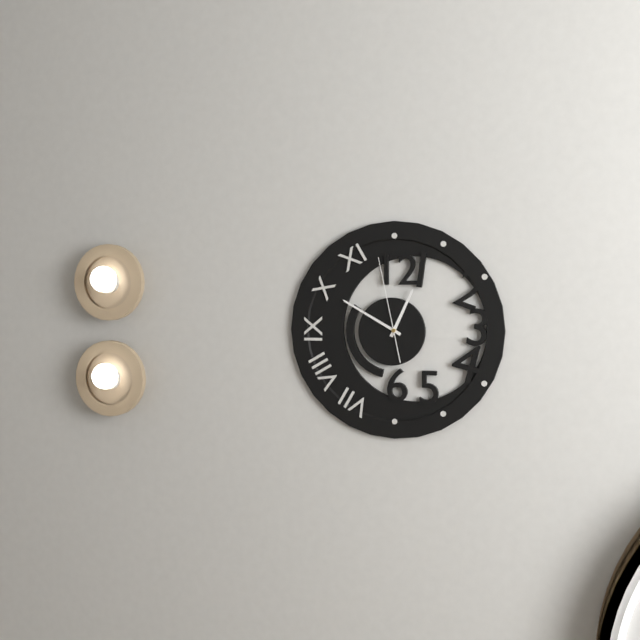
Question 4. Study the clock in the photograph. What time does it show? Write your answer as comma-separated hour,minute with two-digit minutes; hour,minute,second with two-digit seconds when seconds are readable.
12,50,58
